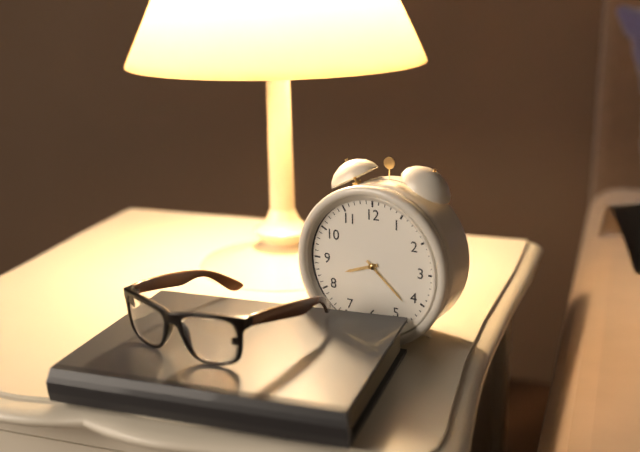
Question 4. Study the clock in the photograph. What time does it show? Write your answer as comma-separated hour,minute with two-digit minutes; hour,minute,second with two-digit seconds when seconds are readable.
8,22
